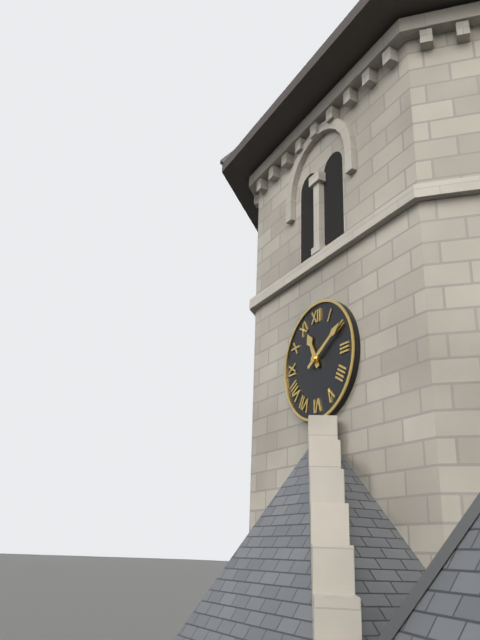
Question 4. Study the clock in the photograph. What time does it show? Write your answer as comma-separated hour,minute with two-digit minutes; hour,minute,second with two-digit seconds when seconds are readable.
11,10
